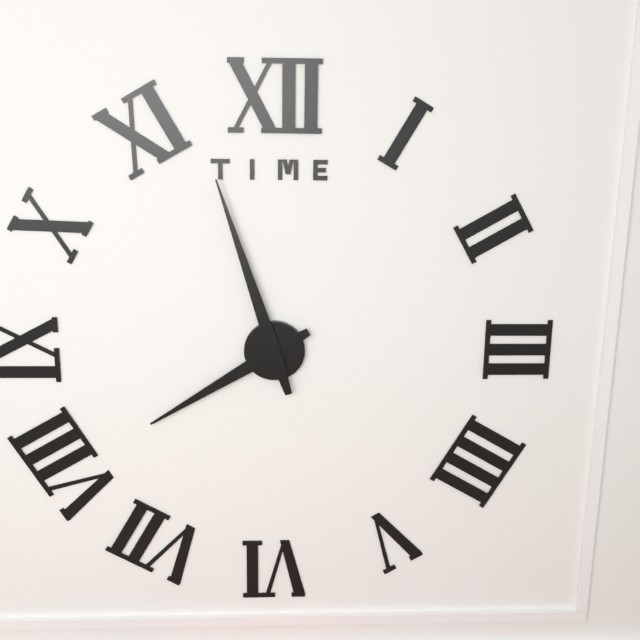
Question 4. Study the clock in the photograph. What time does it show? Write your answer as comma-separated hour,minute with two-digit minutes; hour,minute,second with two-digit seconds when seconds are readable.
7,57
